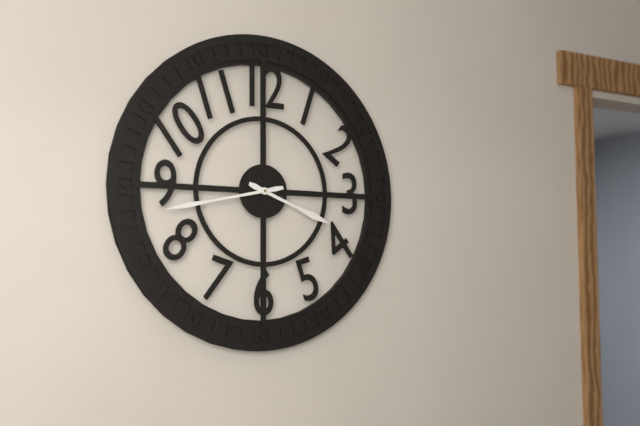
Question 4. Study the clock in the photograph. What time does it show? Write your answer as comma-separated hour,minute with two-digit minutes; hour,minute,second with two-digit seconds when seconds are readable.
3,43
